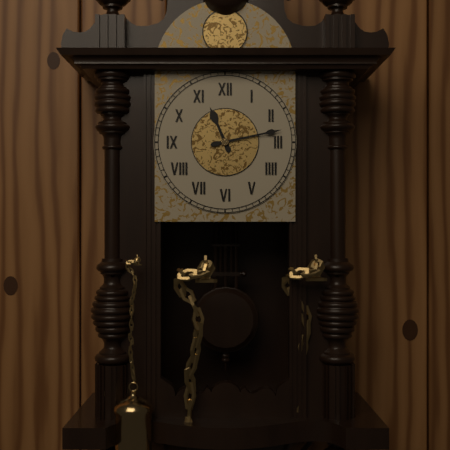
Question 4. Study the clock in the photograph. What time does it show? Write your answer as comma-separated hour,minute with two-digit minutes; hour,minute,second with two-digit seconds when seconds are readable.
11,13
